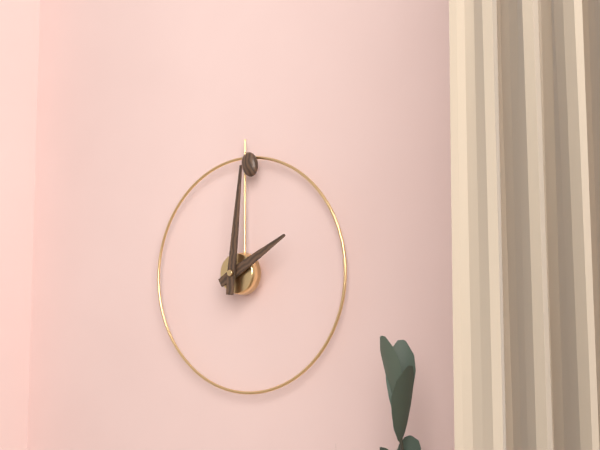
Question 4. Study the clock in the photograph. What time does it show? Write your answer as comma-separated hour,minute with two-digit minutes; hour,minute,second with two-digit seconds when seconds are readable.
2,01
